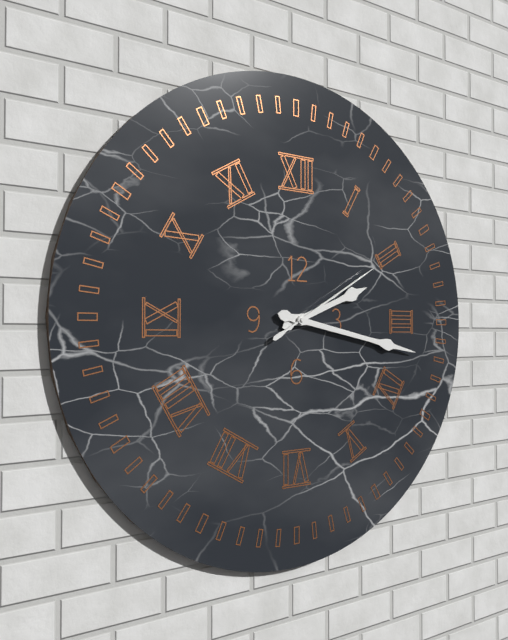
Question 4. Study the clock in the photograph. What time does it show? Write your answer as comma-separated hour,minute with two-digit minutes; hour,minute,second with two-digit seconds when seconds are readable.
2,17,10
